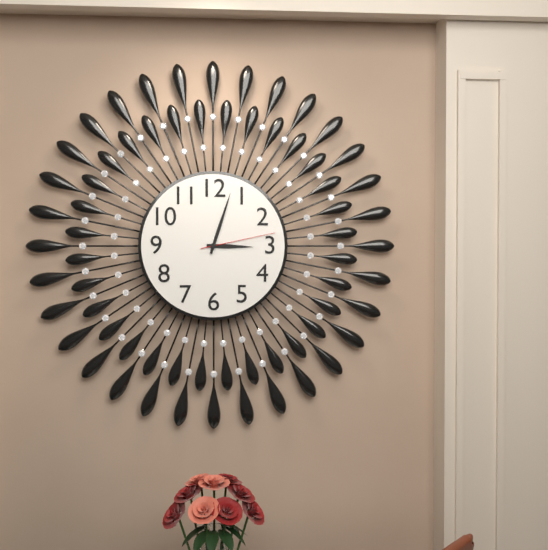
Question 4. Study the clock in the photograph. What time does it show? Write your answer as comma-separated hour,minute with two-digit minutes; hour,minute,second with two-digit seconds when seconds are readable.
3,03,13
